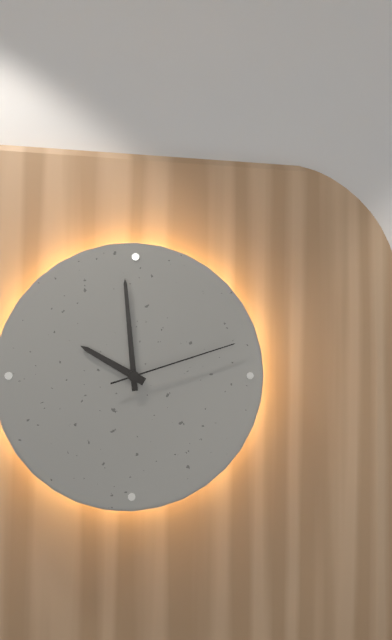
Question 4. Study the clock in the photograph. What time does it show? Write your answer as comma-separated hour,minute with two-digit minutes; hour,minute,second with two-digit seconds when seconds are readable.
9,59,12
